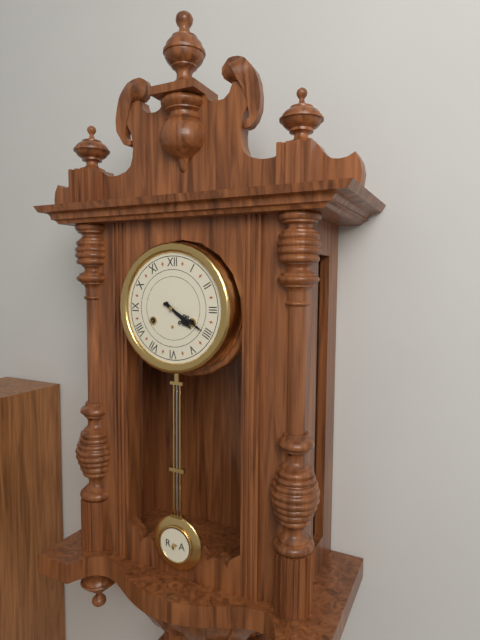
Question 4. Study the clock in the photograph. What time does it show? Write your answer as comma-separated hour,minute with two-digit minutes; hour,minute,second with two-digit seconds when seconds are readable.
4,20
